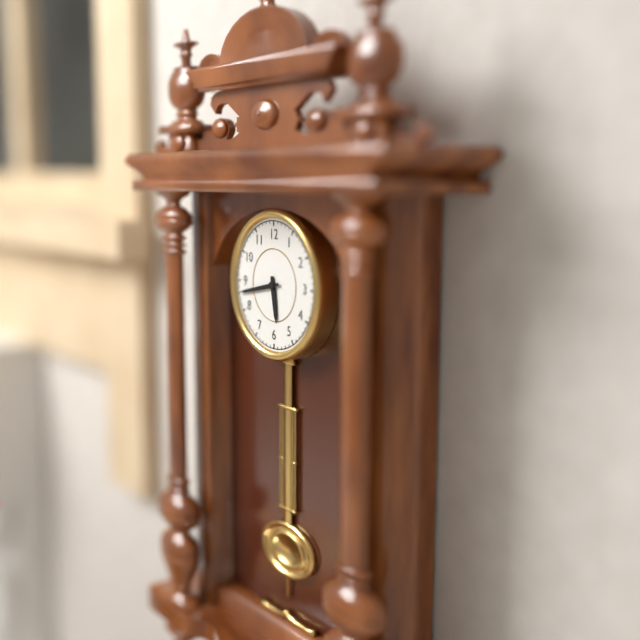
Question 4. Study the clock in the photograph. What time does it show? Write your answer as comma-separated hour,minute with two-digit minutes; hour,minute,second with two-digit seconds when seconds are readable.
5,43
